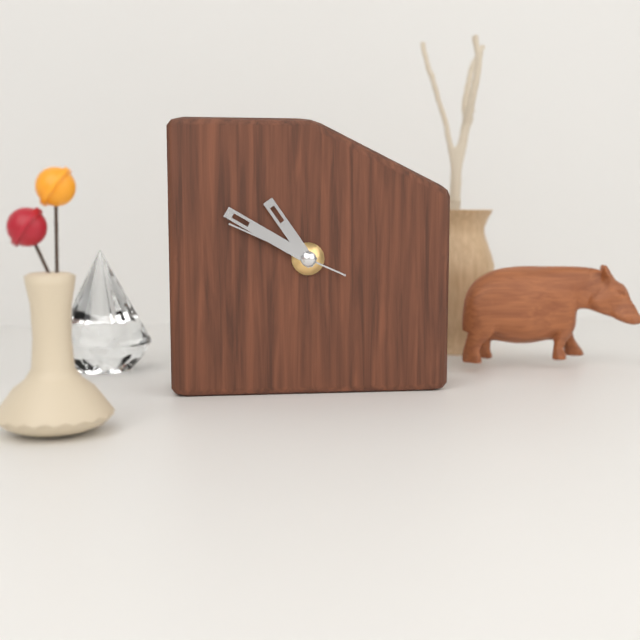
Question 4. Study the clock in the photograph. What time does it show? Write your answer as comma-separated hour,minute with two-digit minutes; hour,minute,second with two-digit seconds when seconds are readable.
10,50,49
